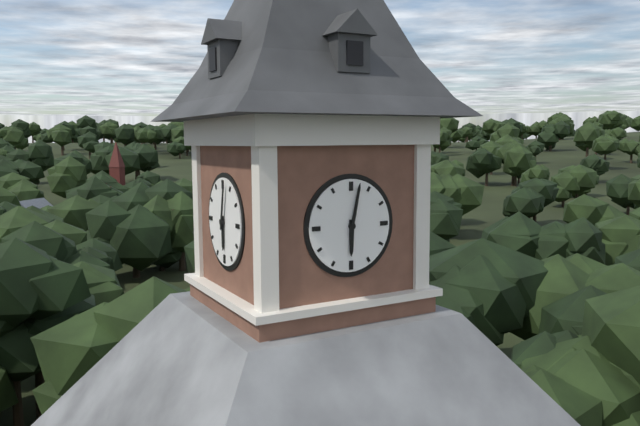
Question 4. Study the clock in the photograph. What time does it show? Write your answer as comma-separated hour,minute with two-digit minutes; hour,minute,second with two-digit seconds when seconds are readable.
6,02
